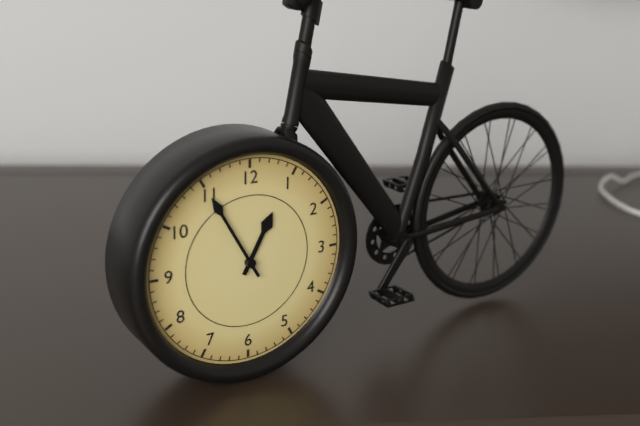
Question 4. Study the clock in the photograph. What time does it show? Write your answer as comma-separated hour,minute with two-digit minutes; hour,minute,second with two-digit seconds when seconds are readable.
12,55
